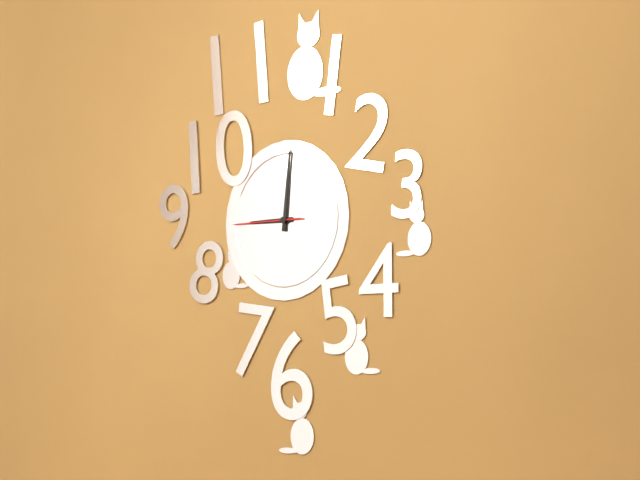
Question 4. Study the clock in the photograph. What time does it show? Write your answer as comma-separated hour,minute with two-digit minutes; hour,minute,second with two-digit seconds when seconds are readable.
9,01,45
